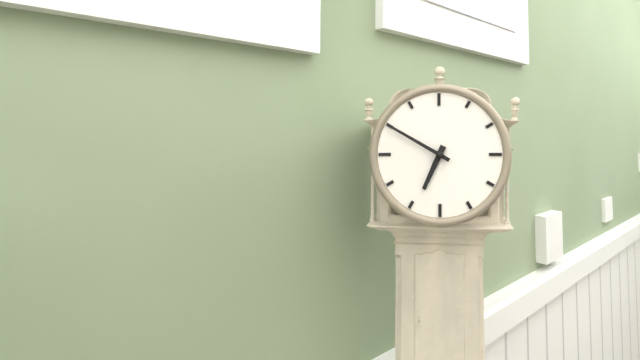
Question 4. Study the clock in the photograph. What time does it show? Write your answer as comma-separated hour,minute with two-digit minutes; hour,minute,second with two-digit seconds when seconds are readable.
6,50
